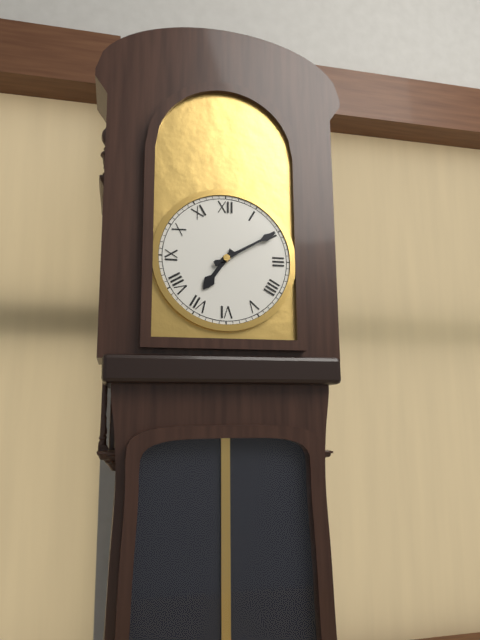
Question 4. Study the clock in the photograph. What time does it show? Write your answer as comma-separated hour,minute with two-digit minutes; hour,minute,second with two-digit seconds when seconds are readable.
7,10
